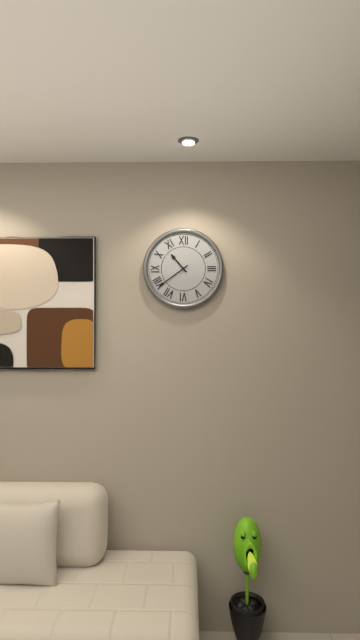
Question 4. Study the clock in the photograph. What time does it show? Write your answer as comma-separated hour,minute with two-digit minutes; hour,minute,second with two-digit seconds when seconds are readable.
10,39
